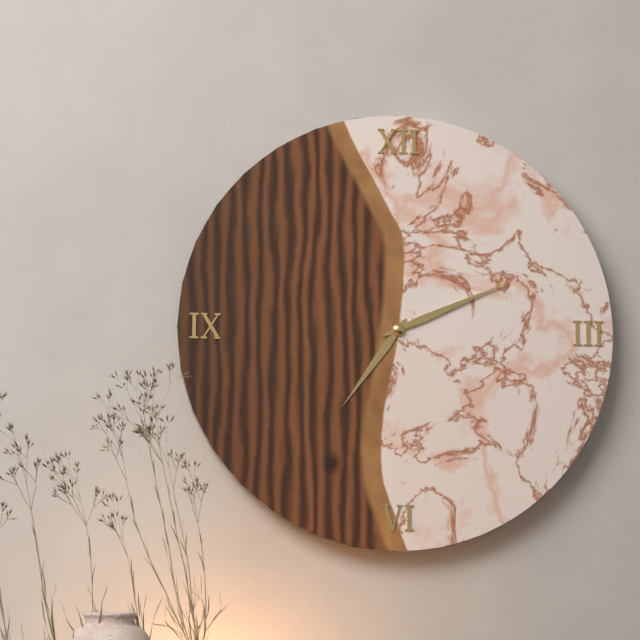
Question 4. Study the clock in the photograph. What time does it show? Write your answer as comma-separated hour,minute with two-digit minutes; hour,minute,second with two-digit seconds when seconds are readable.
7,11
